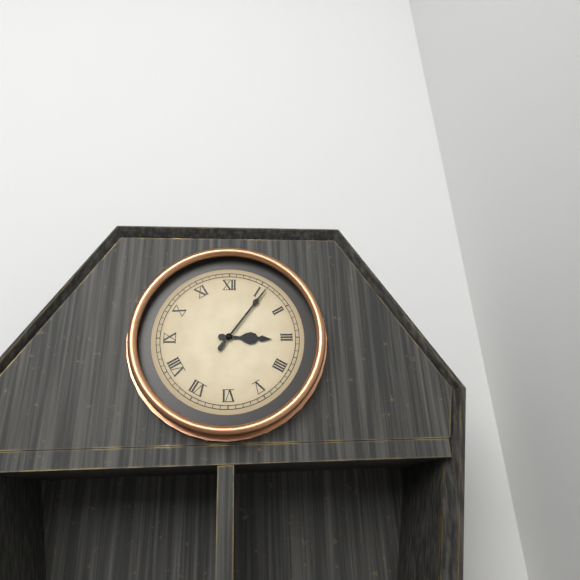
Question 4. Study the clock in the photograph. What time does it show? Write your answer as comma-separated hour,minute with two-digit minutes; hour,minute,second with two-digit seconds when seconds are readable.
3,06
